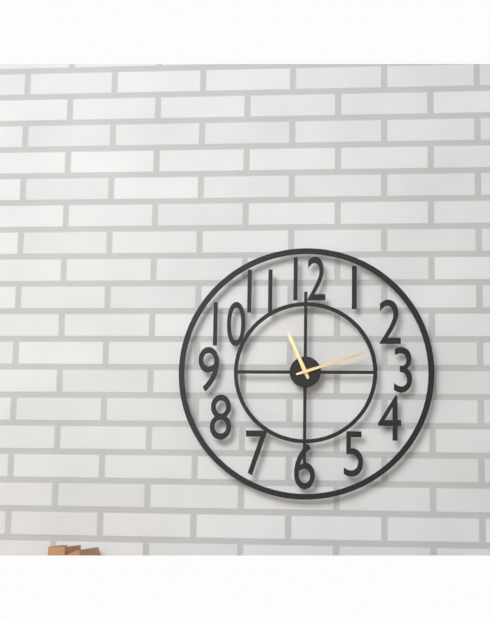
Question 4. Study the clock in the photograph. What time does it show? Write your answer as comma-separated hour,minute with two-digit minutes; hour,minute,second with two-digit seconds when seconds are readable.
11,12
